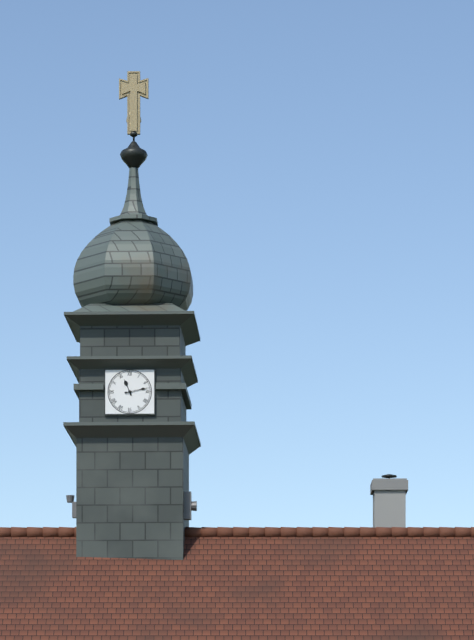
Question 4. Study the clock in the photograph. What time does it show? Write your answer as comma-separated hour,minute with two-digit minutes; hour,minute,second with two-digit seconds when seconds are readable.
11,13
